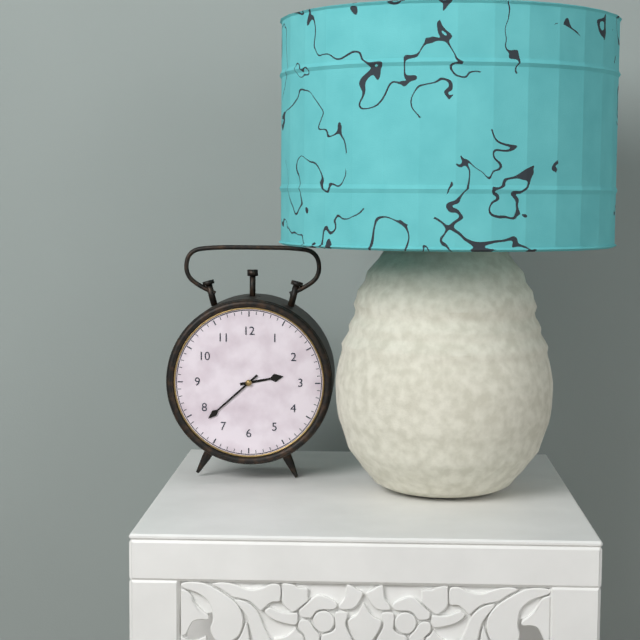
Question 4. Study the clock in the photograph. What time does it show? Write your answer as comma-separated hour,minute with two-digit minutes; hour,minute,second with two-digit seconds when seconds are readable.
2,38
